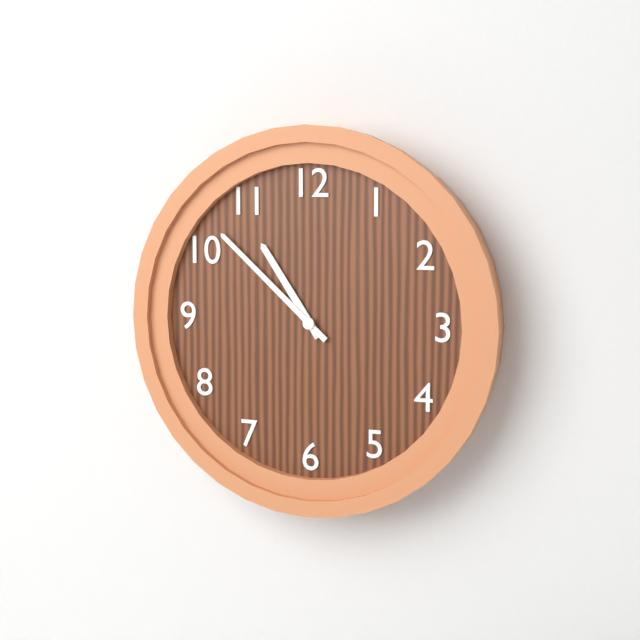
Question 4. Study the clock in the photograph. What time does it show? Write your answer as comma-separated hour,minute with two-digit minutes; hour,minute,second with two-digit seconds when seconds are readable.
10,52
